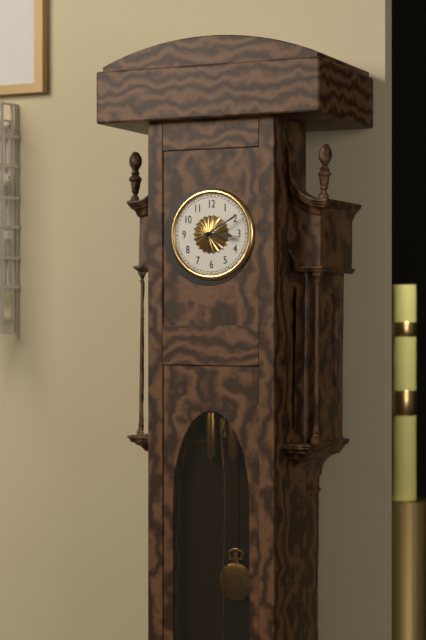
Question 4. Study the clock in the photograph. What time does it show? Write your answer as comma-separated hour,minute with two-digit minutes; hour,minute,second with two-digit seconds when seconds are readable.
3,10
